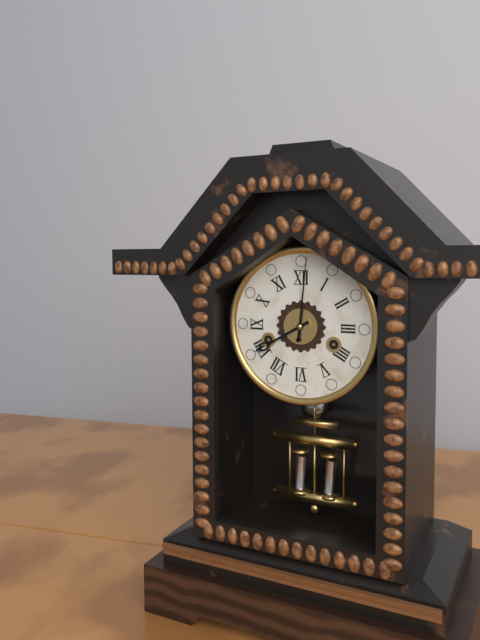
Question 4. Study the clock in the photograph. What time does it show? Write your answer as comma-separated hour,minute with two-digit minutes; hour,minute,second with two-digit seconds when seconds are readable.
8,01
